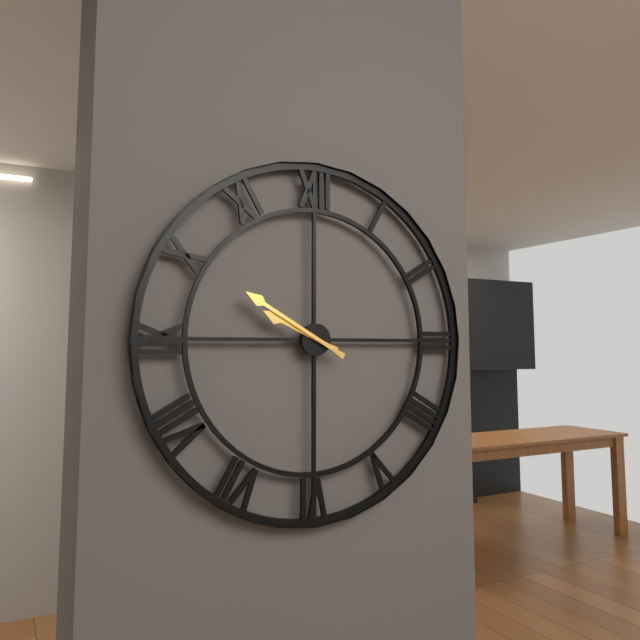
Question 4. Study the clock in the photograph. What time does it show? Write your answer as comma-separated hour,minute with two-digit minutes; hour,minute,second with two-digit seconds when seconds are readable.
9,50
